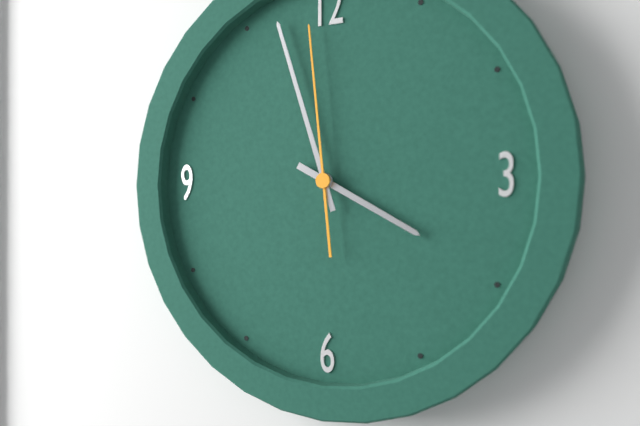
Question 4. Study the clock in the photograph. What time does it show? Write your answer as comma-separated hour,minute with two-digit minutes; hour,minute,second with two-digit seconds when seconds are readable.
3,57,59
